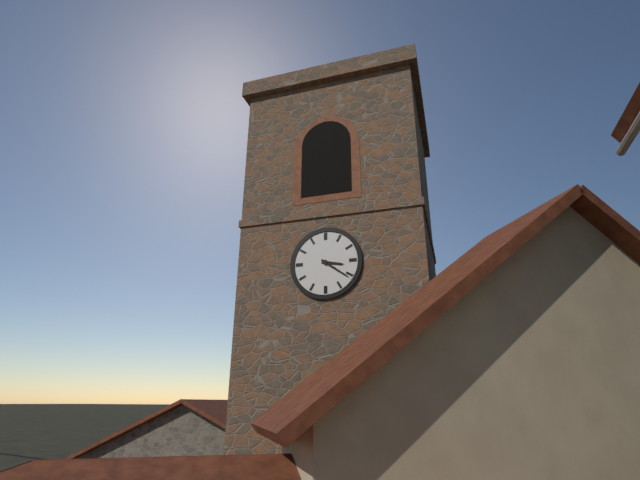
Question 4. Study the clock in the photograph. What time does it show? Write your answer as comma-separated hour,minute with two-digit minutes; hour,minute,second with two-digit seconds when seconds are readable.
3,21
